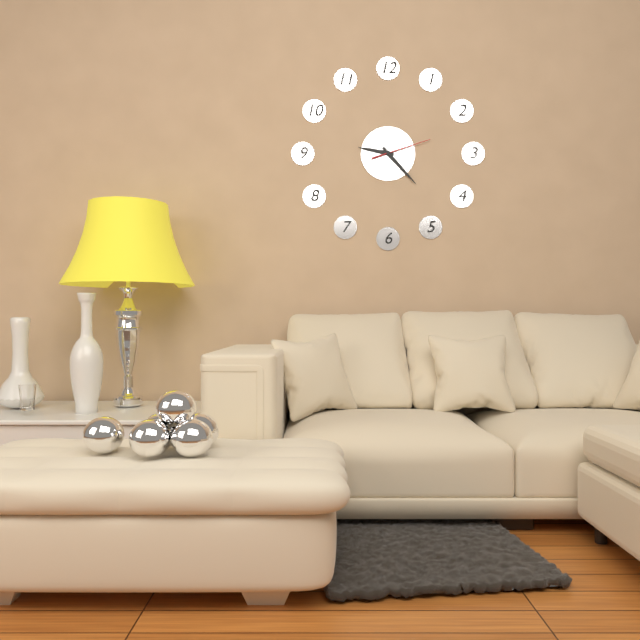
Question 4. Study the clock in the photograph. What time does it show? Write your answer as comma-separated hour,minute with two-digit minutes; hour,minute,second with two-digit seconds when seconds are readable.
9,23,12
